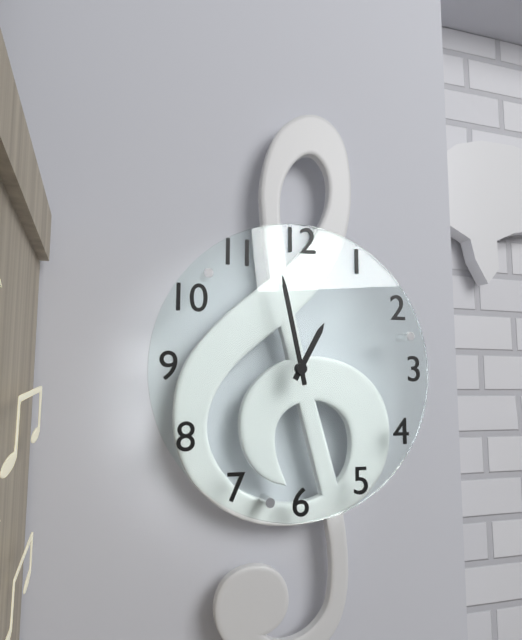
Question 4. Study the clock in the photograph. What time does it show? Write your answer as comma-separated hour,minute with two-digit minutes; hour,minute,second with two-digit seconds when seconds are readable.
12,58
